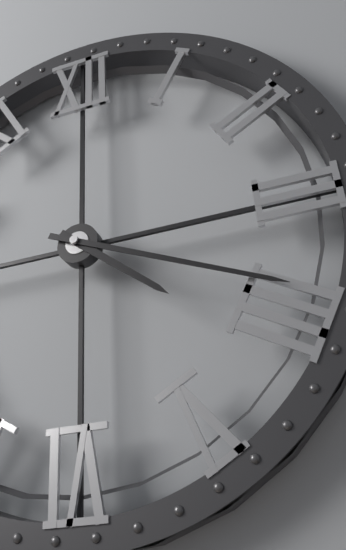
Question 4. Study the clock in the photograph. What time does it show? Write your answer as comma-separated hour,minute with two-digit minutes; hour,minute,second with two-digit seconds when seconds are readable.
4,19
